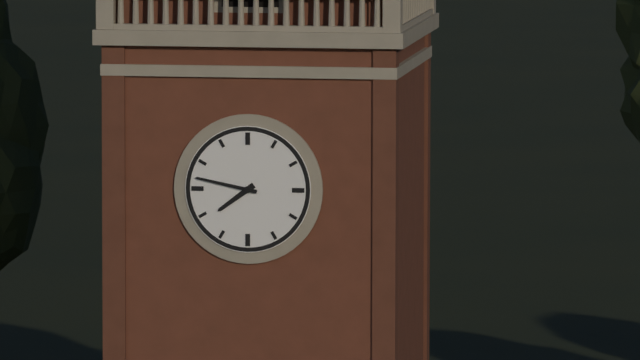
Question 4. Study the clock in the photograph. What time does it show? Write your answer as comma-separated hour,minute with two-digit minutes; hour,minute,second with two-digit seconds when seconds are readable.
7,47
